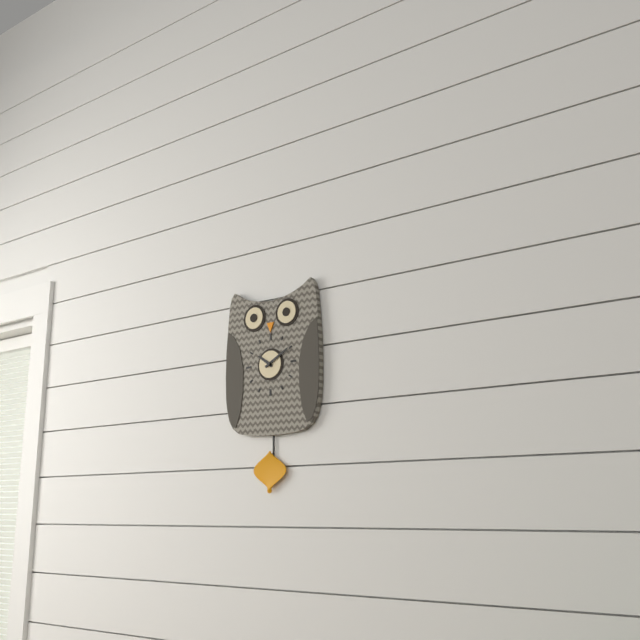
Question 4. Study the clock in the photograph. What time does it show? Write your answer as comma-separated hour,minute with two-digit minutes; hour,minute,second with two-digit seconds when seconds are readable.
10,10
